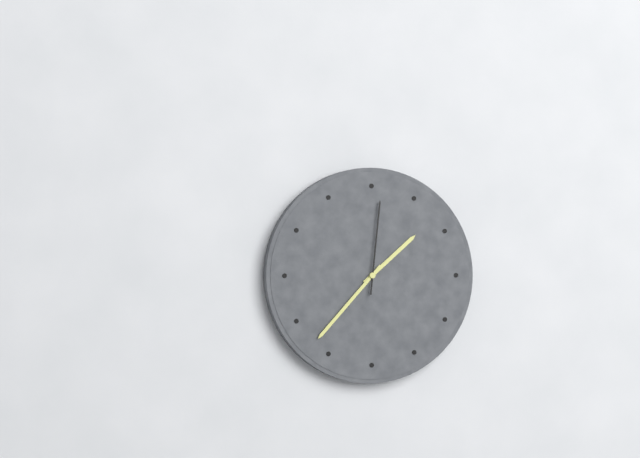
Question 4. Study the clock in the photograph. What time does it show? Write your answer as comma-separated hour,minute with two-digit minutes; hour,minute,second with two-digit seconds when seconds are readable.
1,37,01
